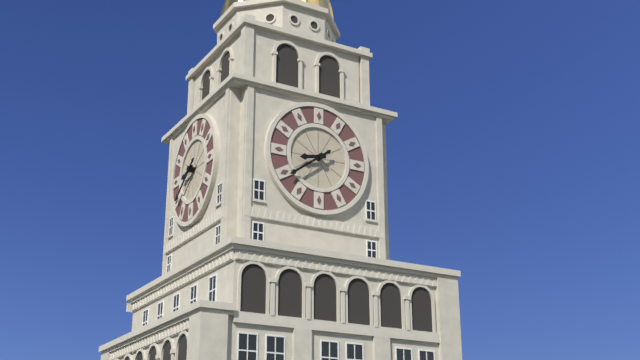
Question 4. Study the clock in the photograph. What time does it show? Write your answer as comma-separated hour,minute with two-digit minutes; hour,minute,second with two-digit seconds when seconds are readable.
8,39
